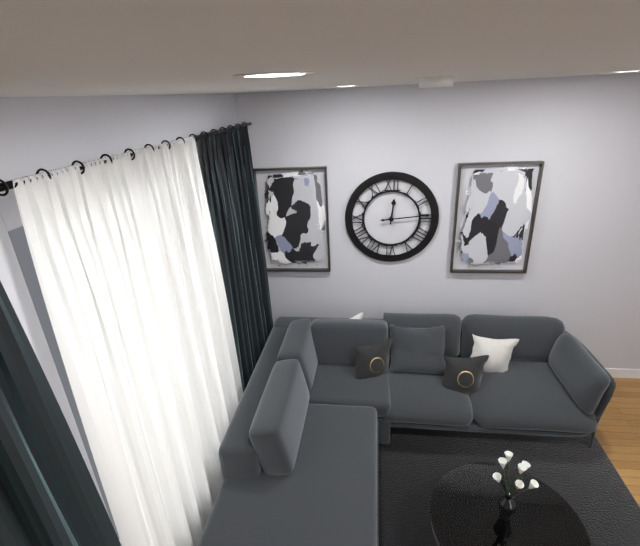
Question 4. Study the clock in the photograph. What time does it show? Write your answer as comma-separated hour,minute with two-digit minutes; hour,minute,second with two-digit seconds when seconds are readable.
12,14
